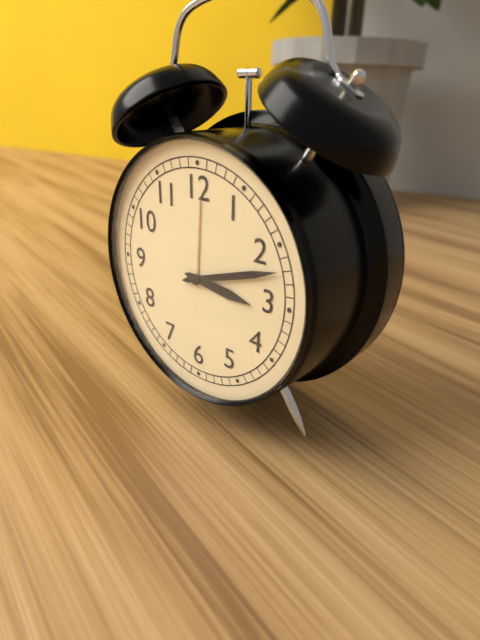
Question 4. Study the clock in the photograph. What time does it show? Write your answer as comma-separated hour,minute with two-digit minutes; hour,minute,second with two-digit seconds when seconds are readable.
3,12
